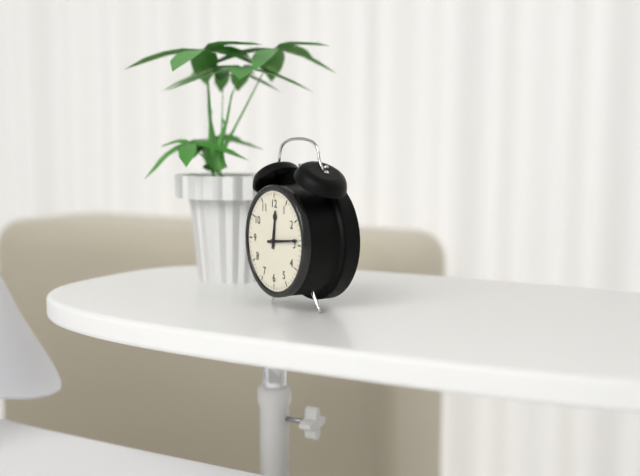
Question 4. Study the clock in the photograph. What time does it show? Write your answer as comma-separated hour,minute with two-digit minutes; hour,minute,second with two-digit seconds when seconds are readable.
12,14
